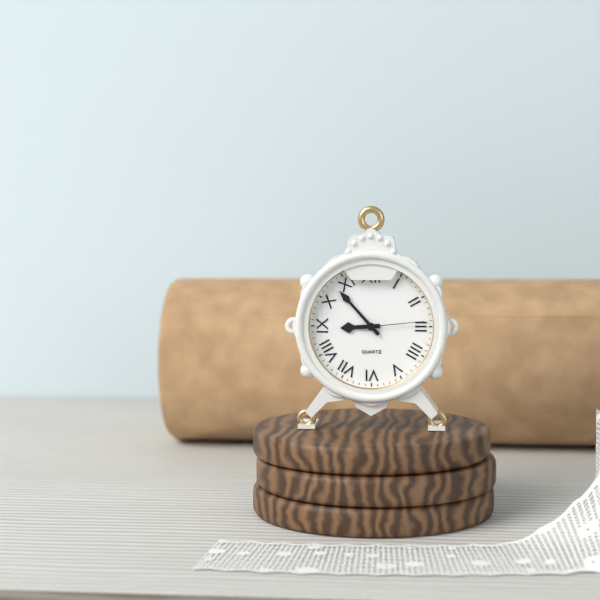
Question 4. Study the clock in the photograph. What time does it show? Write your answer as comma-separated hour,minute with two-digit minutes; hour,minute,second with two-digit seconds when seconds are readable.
8,53,14
